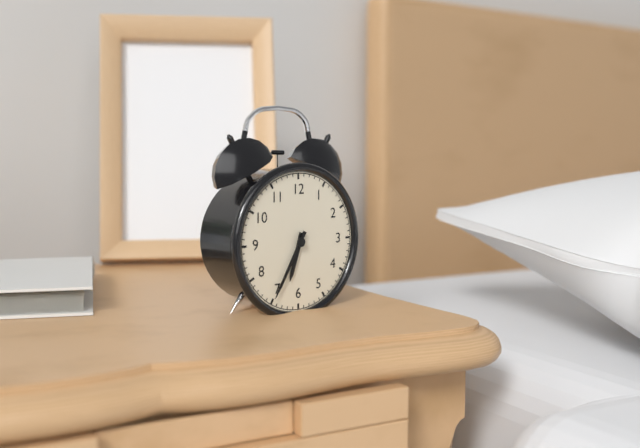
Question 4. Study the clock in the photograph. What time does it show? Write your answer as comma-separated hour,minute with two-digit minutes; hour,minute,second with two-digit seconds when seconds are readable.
6,35
